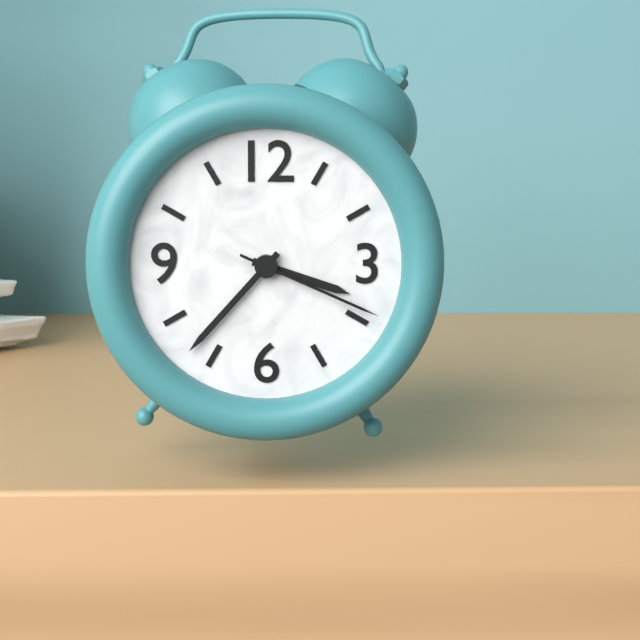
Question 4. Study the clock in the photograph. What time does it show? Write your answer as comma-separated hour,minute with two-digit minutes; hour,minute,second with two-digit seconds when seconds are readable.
3,37,19
